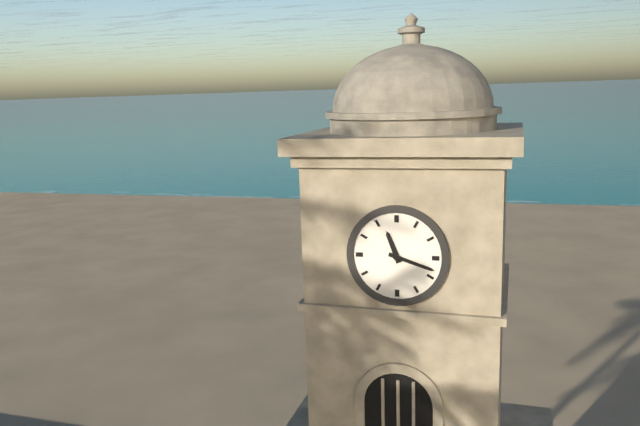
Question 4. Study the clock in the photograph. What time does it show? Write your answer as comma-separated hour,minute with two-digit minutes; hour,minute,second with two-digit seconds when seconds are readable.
11,18
